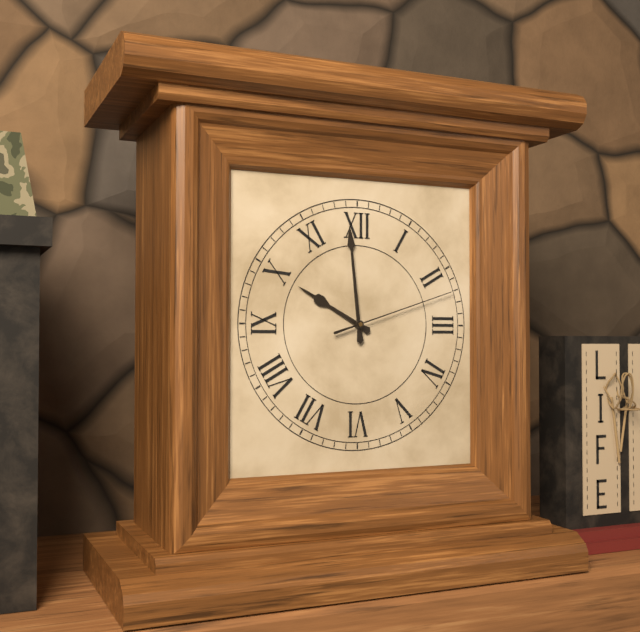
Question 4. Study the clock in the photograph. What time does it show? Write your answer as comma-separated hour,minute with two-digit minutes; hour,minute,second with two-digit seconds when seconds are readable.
9,59,12
